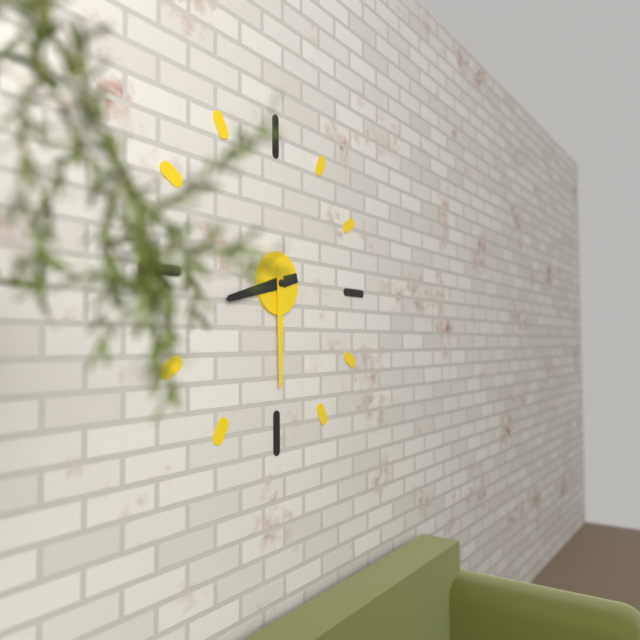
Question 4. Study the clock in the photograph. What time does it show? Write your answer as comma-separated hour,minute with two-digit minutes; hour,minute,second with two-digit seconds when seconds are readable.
8,30
